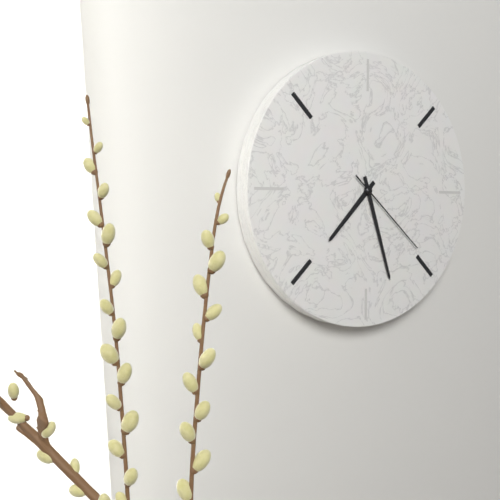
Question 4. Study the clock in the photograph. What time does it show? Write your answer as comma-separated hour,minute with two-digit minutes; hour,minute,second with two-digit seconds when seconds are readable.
7,27,22
